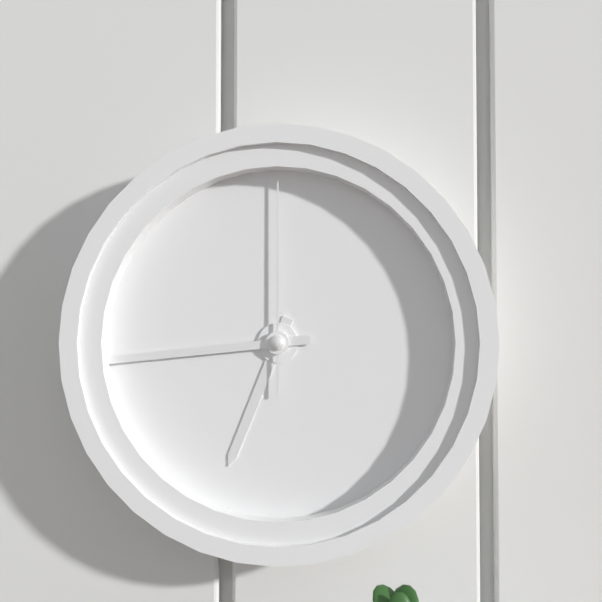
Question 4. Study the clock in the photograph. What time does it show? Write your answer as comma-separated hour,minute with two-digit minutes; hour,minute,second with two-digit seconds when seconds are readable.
6,44,00
